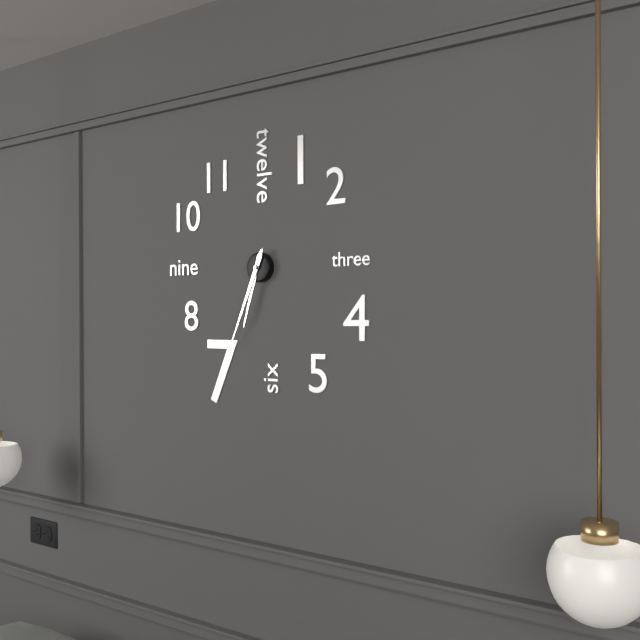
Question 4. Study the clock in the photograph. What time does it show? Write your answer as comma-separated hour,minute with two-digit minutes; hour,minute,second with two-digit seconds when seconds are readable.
6,34
